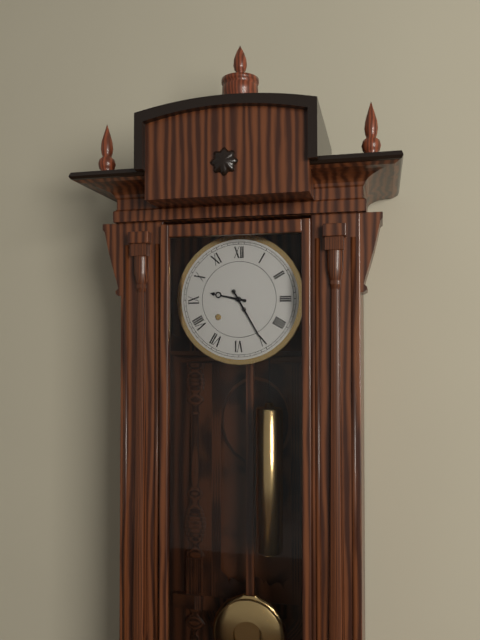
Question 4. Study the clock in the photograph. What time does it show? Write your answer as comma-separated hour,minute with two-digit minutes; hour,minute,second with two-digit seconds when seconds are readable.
9,25
